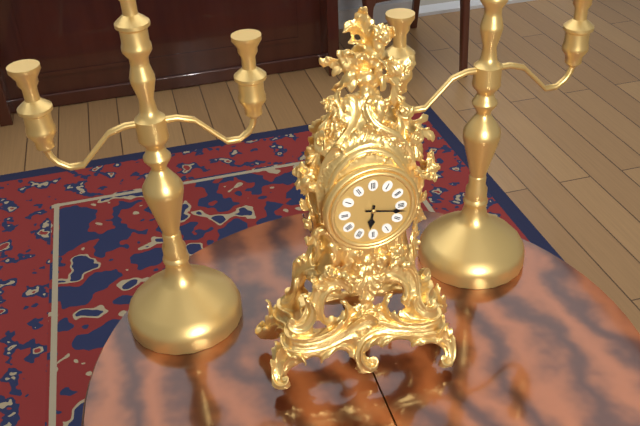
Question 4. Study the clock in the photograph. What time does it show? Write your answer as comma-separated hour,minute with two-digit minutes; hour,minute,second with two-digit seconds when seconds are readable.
6,17
